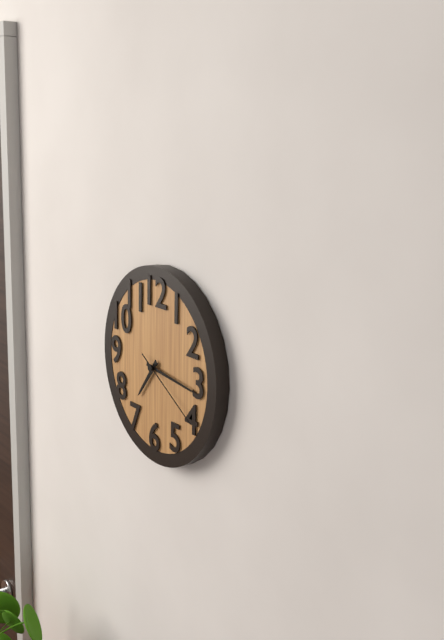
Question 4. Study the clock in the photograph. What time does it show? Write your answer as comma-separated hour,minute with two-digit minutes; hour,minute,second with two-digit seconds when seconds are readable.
7,16,20
